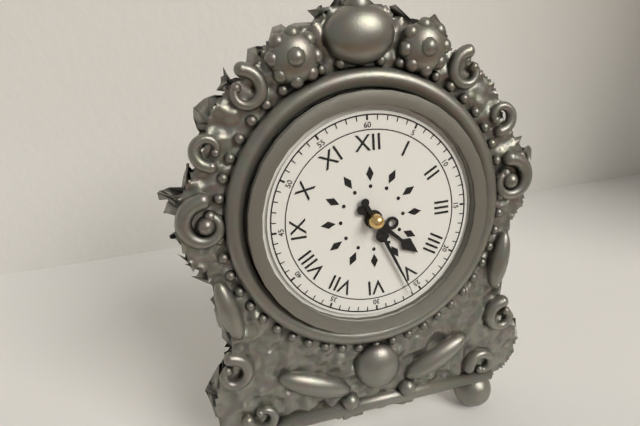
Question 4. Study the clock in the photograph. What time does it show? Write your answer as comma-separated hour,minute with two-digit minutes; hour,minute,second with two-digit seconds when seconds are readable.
4,26
